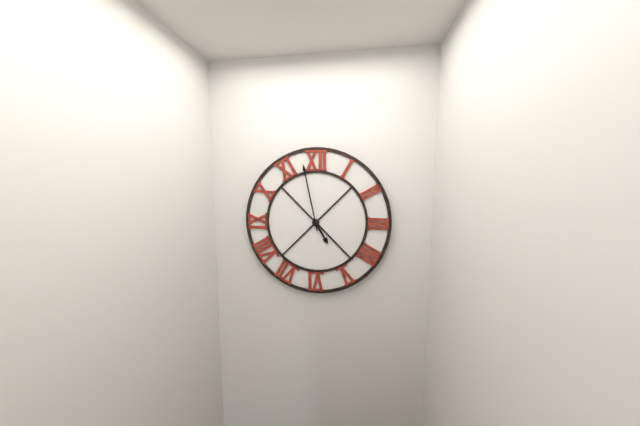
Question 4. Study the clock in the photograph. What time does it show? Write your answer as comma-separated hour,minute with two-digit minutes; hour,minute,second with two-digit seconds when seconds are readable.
4,58
